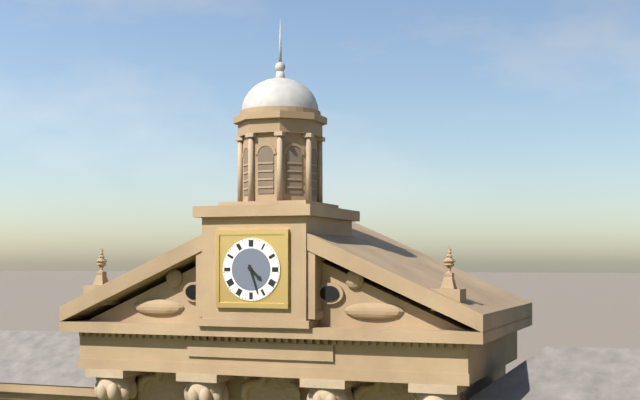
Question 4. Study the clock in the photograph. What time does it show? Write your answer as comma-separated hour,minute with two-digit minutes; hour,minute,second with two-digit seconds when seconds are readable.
4,27
